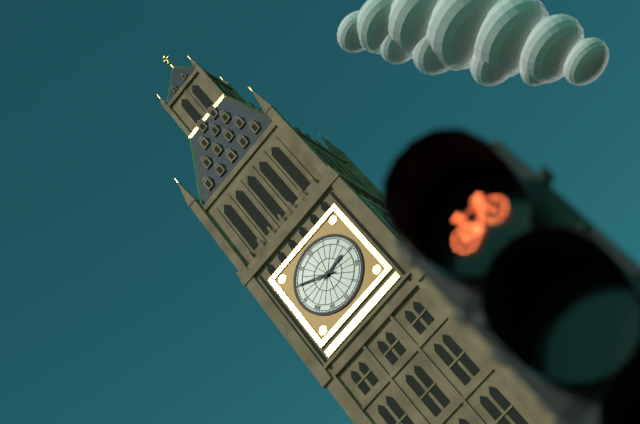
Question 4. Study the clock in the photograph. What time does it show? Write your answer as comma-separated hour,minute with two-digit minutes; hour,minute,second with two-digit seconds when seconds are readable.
2,50
